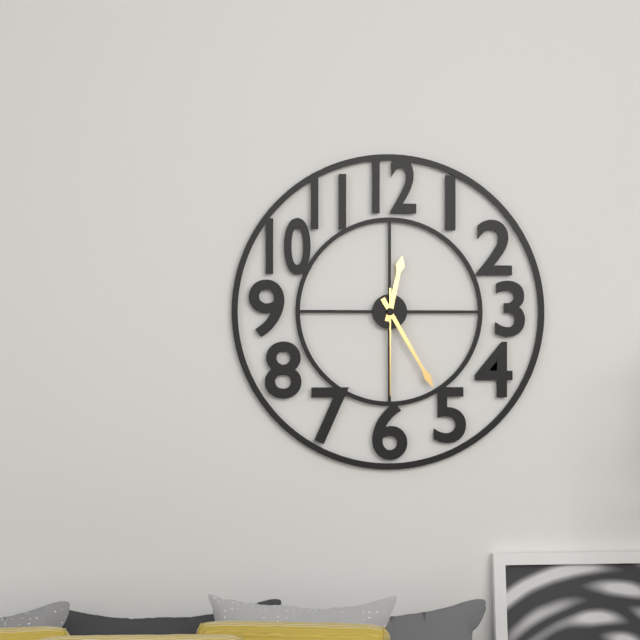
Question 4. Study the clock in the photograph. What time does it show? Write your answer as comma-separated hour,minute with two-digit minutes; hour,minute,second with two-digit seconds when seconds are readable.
12,25,30
